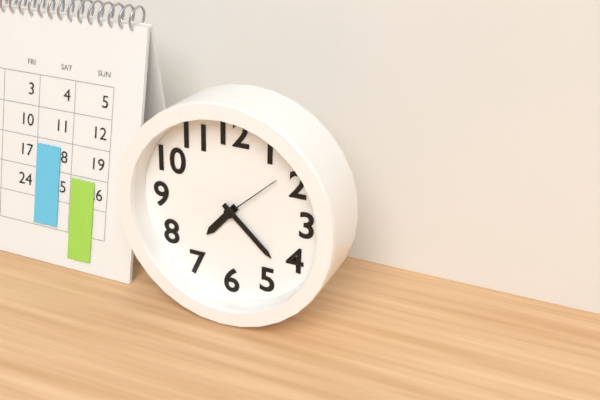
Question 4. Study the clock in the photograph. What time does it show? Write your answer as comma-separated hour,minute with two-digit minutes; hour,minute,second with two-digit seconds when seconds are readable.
7,22,08
